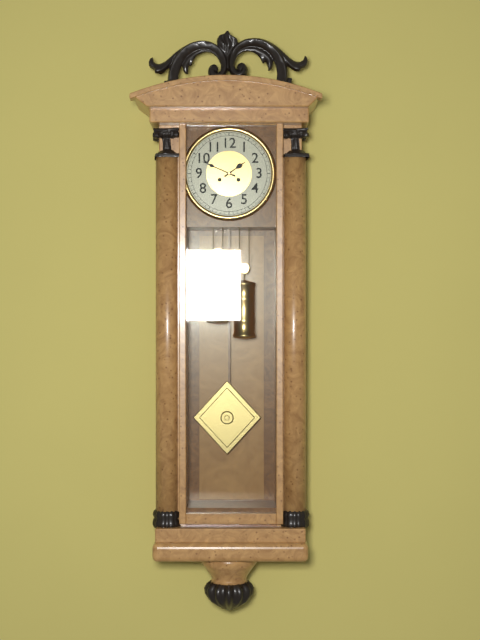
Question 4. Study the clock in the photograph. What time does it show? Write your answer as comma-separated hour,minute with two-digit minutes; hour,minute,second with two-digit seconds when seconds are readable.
1,49
